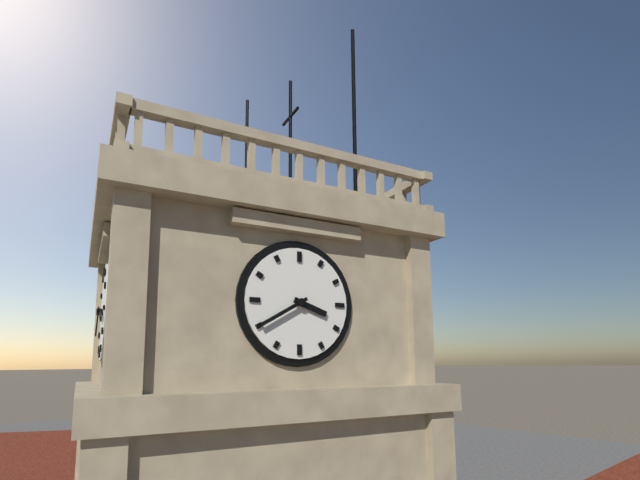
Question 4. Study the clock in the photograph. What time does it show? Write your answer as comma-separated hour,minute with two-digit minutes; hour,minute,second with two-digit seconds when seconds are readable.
3,40
